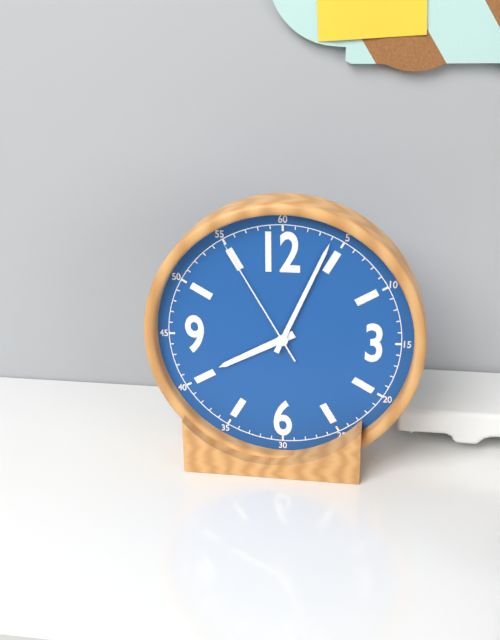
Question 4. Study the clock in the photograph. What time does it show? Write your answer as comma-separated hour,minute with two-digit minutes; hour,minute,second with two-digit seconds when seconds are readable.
8,04,55
